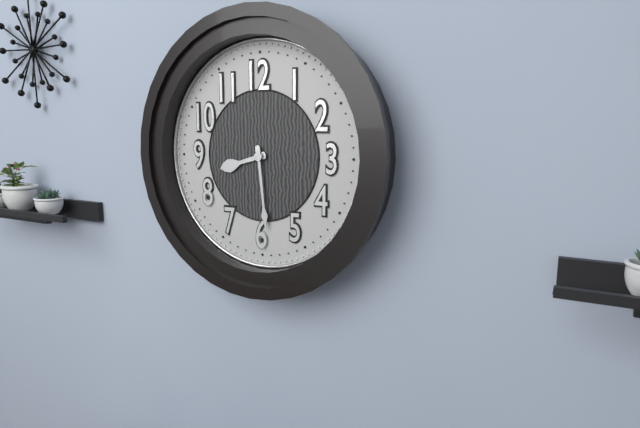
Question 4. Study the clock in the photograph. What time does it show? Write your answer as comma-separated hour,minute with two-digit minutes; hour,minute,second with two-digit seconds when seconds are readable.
8,29
